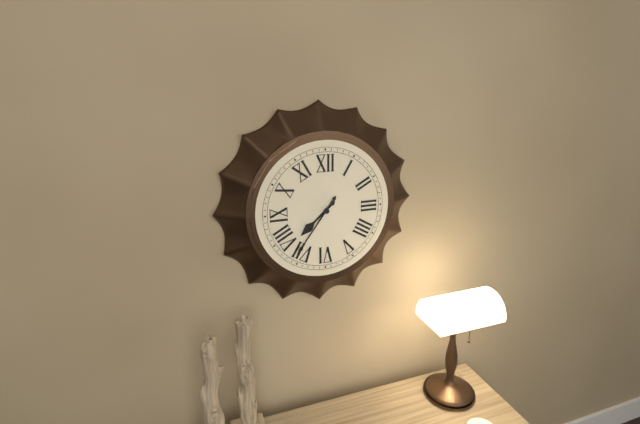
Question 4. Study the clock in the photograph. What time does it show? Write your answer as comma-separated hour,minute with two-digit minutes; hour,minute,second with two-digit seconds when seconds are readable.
7,36
